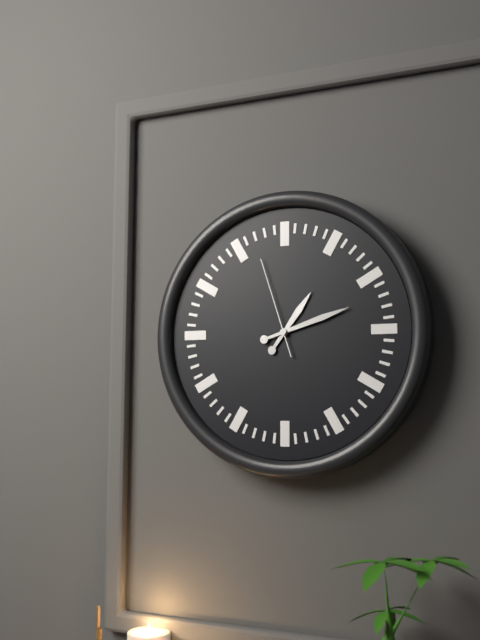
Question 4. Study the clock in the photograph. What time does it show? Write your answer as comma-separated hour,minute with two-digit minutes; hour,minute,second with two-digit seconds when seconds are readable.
1,12,57
